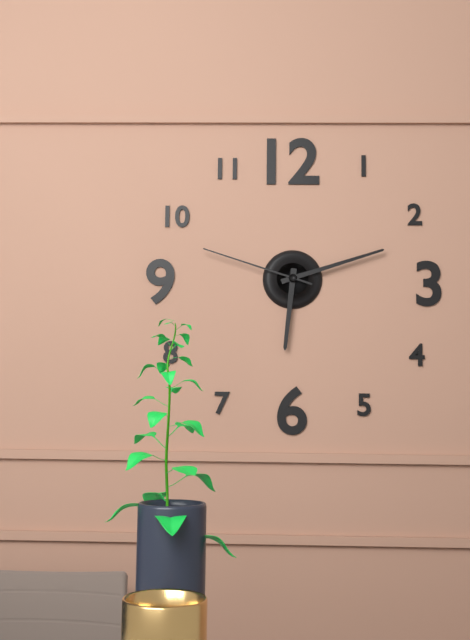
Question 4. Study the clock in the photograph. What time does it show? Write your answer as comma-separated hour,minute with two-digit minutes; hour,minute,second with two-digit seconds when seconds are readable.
6,12,48
